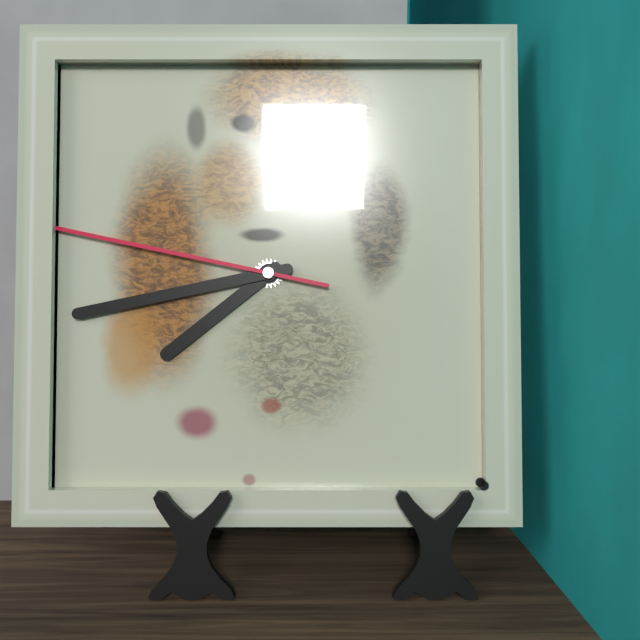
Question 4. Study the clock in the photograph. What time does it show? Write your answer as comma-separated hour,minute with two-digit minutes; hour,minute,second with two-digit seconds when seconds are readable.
7,43,47
